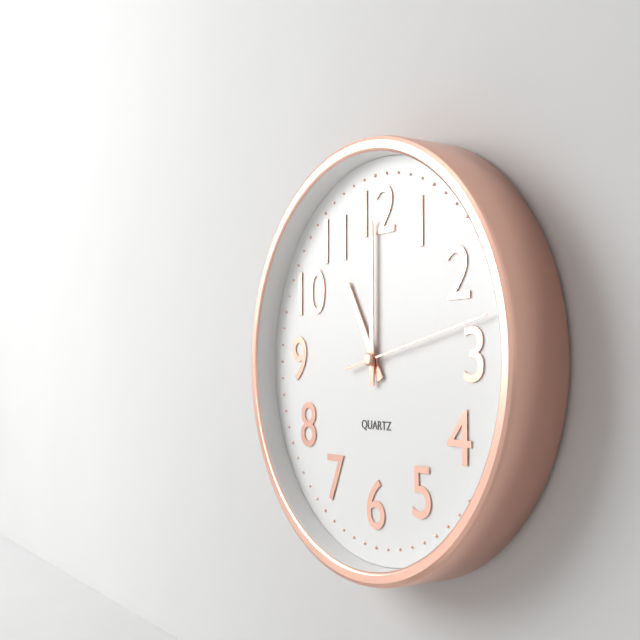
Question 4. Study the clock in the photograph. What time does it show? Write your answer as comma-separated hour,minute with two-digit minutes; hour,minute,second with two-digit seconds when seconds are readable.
11,00,13
